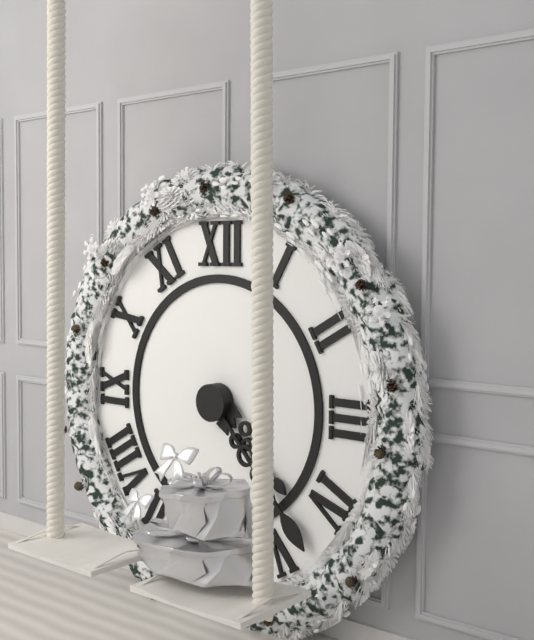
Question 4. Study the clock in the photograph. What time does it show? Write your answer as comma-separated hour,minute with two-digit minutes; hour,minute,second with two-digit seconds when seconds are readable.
4,23
